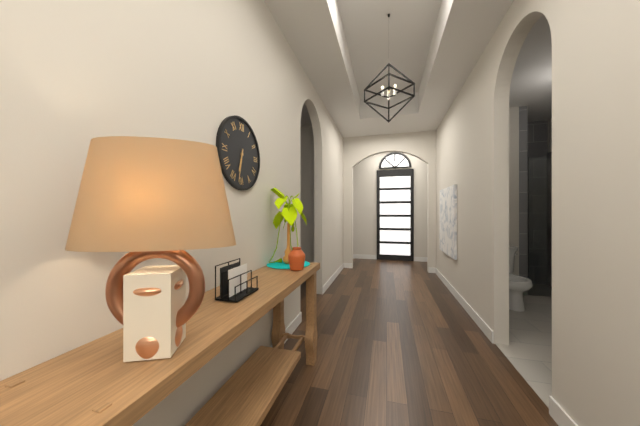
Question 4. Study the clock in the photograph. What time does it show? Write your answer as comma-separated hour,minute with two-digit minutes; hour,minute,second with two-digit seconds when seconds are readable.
6,32
